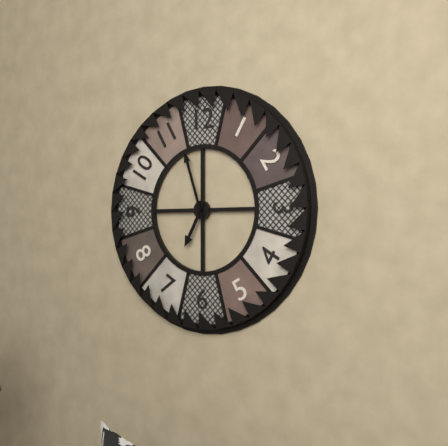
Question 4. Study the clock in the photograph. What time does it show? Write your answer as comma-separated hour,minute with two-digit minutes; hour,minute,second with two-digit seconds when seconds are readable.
6,57
